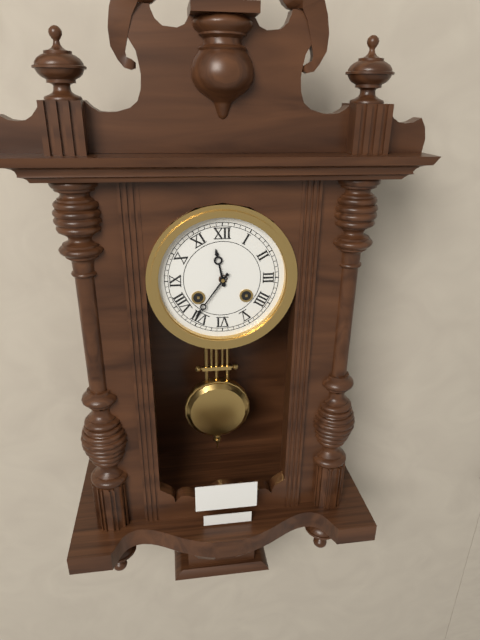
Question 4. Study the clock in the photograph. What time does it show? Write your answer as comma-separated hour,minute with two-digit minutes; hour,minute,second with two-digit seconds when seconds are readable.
11,36
